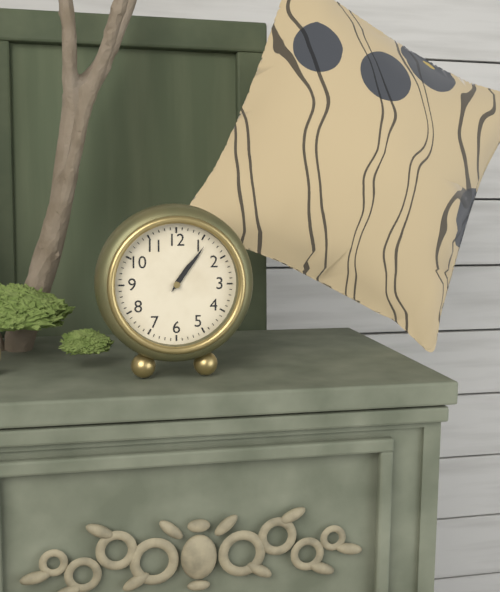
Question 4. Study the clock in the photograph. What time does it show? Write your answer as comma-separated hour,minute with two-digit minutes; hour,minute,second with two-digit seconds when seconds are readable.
1,06
